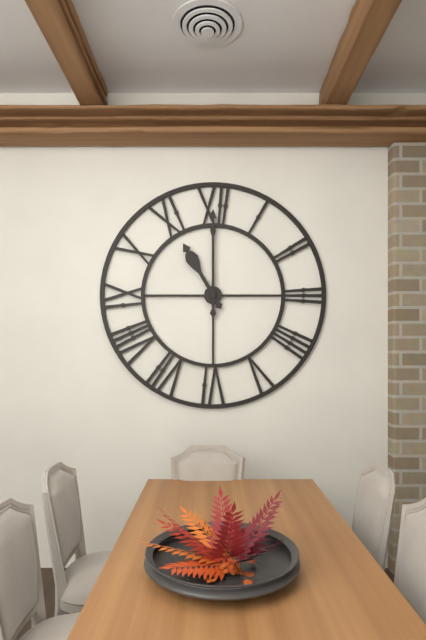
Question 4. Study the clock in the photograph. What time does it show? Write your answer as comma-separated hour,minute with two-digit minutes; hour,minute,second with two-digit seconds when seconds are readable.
11,00
